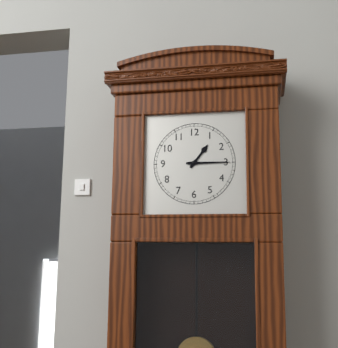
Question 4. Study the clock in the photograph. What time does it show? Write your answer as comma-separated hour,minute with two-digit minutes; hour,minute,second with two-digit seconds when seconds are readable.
1,15
